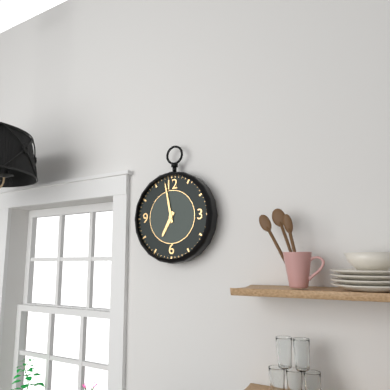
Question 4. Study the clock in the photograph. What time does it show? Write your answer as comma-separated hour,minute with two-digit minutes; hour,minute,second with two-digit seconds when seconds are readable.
6,58
